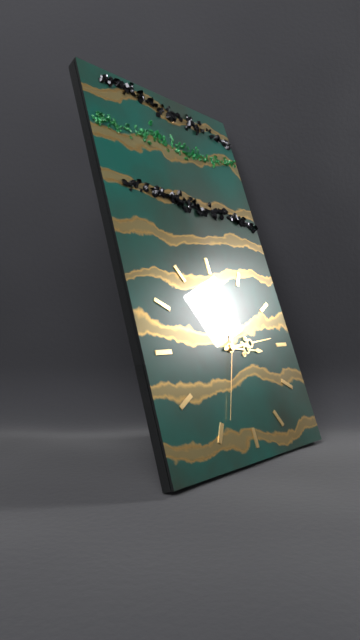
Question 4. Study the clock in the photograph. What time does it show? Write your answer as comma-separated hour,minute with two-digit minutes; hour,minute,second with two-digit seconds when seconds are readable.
3,14,34
